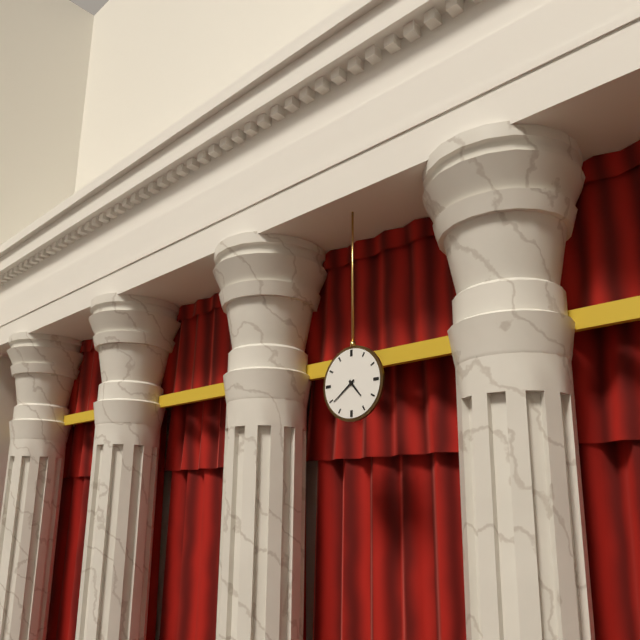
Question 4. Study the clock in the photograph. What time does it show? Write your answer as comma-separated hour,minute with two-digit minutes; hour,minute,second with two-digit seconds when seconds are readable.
4,39
